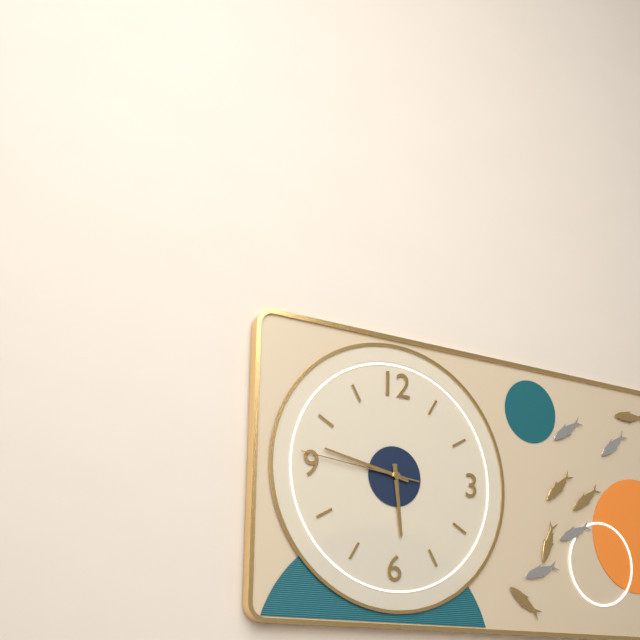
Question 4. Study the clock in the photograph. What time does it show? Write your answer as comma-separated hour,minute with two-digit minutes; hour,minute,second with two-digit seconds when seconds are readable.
5,47,46
